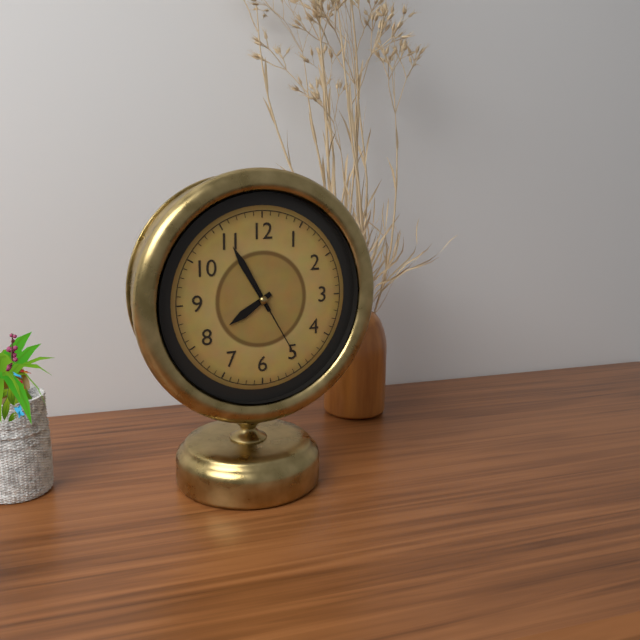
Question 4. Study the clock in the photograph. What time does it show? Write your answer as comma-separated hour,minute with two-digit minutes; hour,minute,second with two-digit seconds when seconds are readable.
7,55,25
